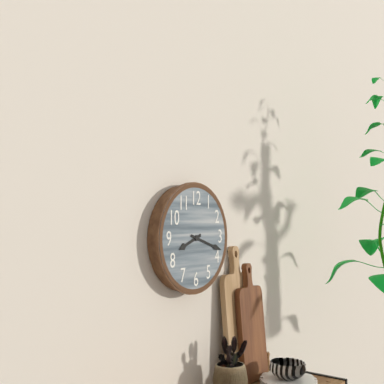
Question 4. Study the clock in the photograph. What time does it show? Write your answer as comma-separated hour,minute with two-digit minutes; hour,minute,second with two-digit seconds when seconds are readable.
8,18
